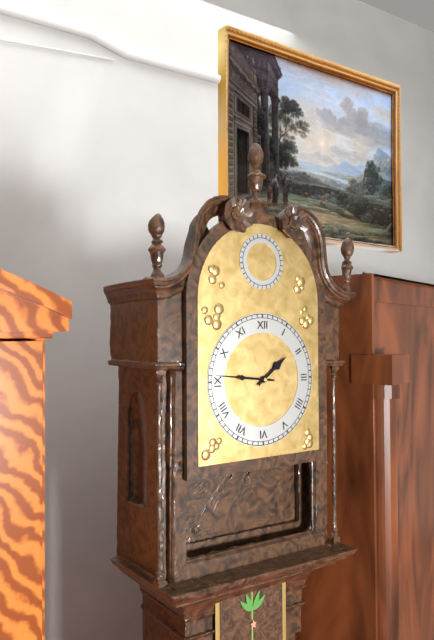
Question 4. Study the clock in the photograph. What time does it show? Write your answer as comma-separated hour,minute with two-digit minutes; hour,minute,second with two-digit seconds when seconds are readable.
1,46
